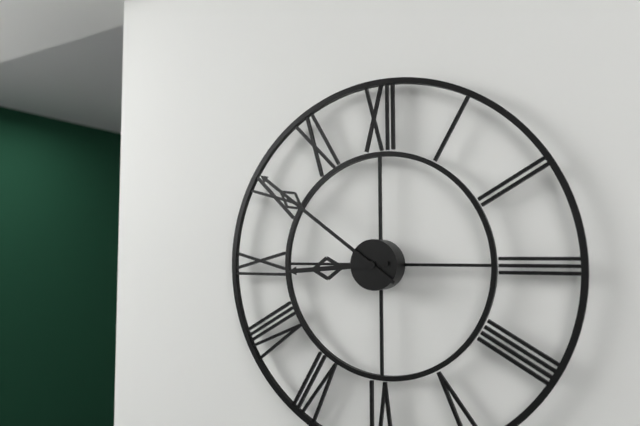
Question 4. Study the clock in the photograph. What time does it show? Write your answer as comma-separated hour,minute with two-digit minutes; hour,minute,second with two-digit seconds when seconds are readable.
8,51
